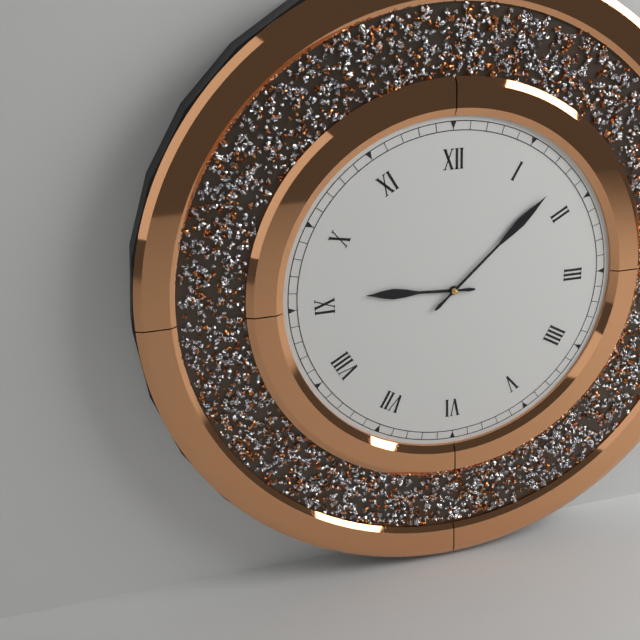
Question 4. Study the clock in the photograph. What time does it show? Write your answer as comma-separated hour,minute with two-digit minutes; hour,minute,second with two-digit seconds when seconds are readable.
9,08
